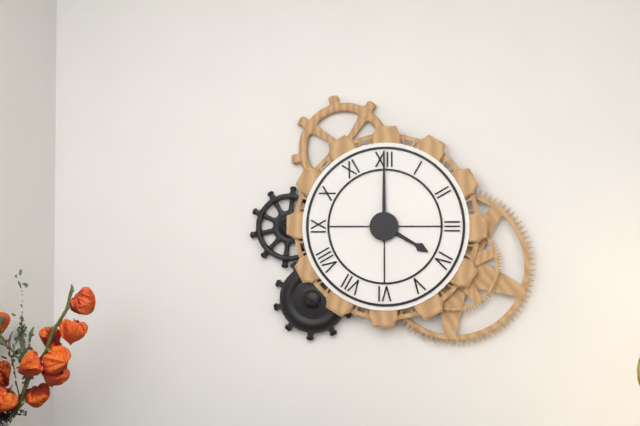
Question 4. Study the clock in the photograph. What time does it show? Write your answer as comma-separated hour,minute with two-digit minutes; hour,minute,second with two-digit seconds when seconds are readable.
4,00
